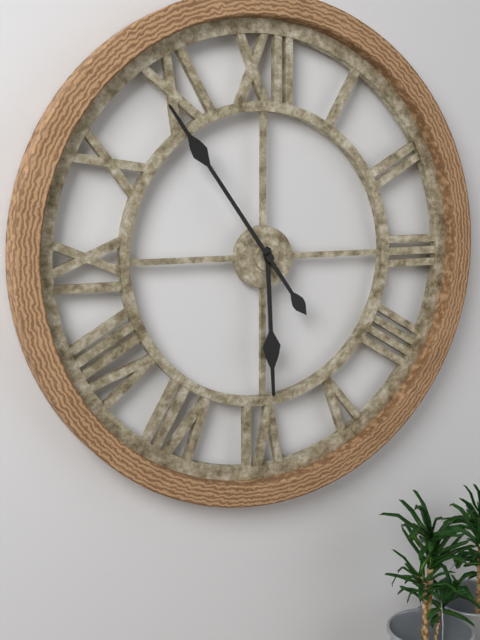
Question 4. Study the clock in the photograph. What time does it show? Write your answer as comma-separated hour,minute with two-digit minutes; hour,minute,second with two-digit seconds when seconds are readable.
5,54
